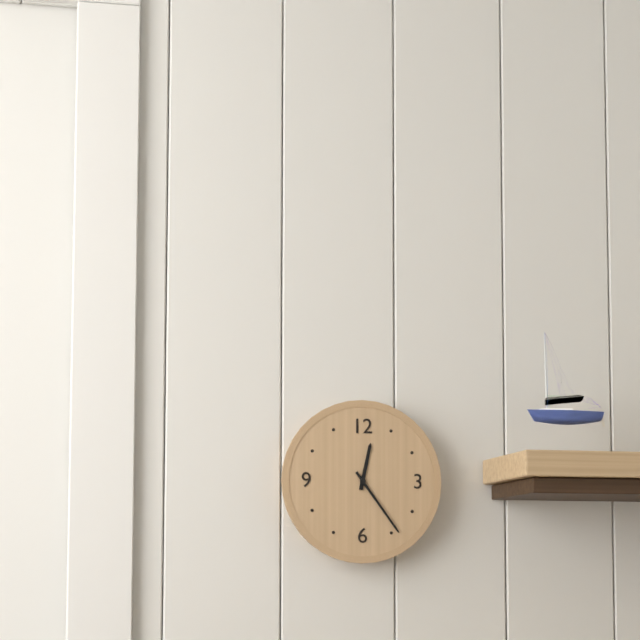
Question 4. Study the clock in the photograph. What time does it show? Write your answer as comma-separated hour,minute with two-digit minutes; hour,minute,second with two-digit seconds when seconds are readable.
12,24
